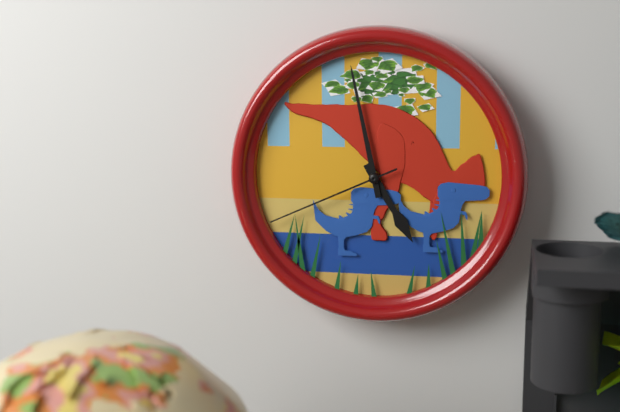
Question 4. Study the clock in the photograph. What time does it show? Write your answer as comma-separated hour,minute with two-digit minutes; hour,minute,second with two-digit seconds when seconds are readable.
4,58,41
